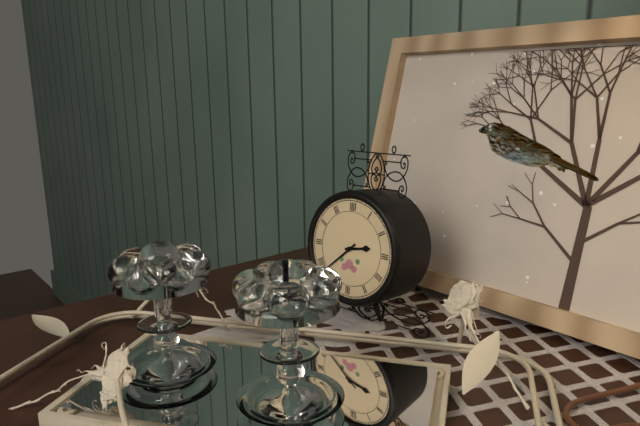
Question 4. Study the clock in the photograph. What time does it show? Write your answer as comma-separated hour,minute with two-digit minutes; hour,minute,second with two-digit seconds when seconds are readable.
2,38
